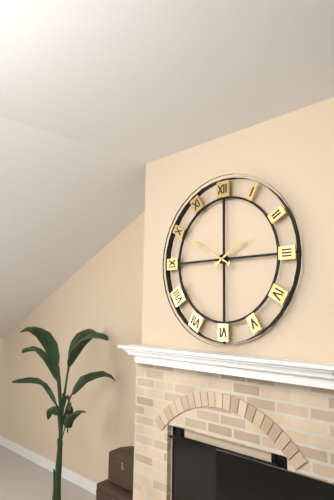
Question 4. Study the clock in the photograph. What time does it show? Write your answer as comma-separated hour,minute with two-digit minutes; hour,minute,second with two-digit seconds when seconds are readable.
1,50
